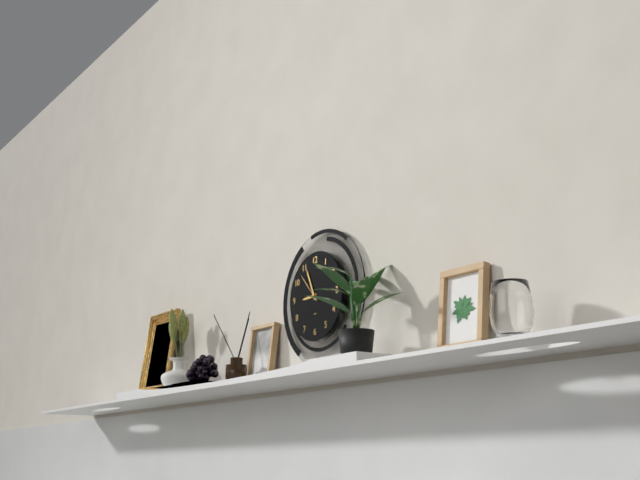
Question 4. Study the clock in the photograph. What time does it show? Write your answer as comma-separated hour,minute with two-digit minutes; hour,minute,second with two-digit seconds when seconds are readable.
8,56
